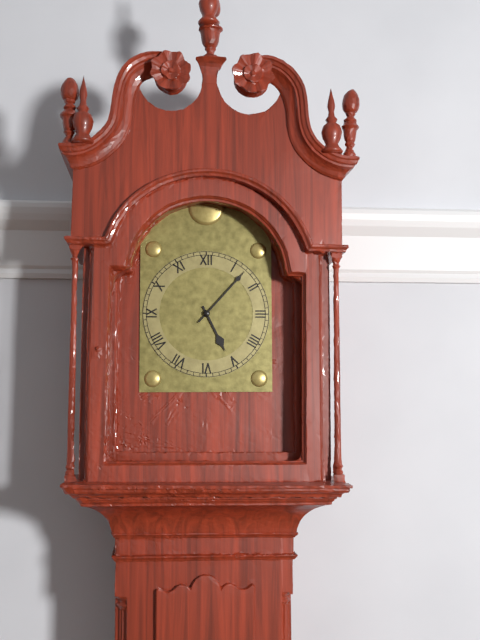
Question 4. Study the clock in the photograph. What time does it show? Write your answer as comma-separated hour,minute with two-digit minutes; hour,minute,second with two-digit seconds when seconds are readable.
5,07
